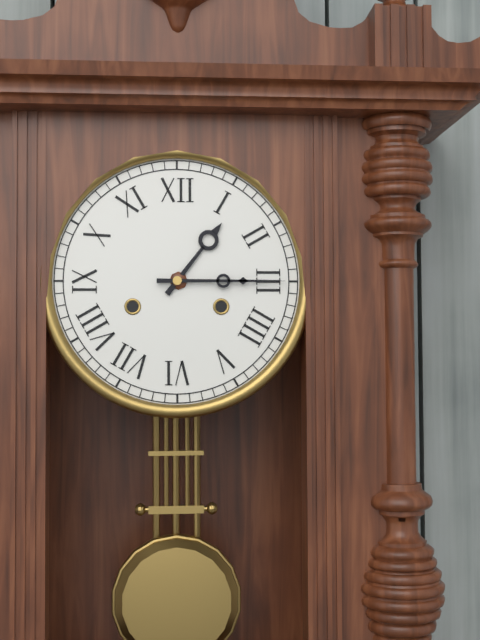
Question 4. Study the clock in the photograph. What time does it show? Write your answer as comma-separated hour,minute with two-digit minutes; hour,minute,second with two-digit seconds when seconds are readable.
1,15
